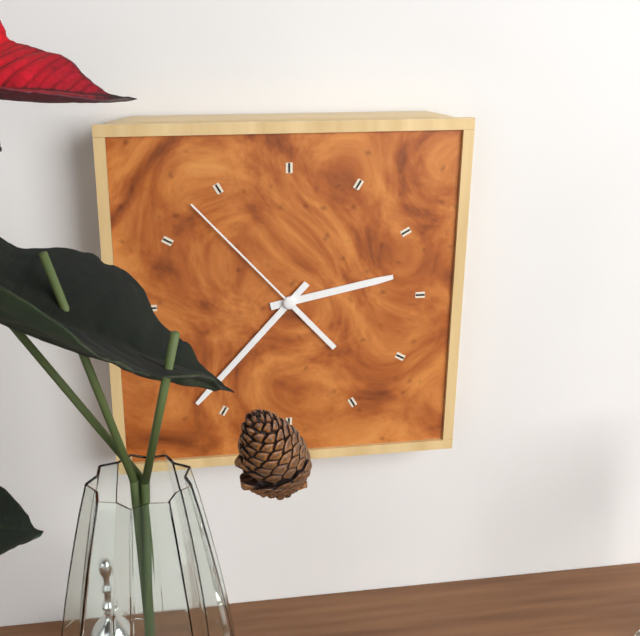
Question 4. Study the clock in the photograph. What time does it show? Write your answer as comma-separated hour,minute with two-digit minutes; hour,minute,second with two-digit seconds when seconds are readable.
2,37,53
